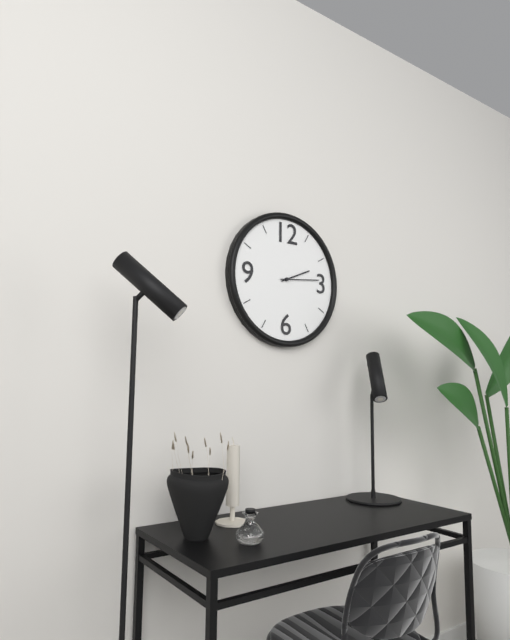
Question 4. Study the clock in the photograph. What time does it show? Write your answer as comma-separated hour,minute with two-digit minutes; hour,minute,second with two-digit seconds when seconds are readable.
2,14
